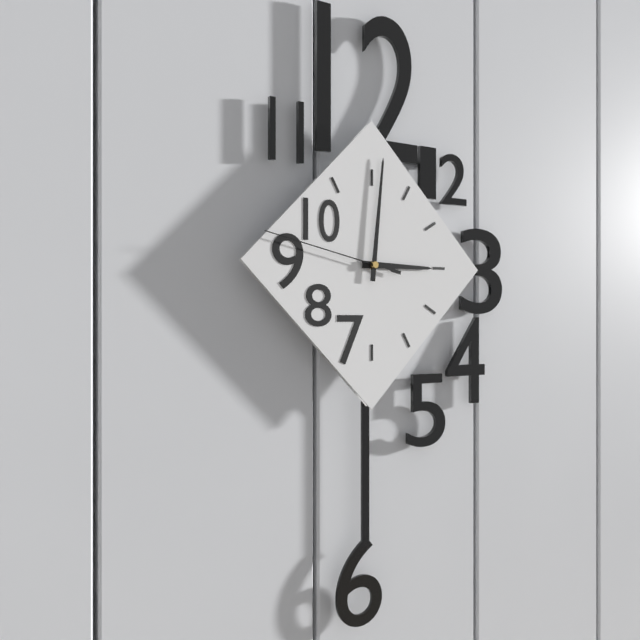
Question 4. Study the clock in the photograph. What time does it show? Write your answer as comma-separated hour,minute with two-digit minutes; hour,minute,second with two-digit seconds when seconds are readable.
3,01,47
